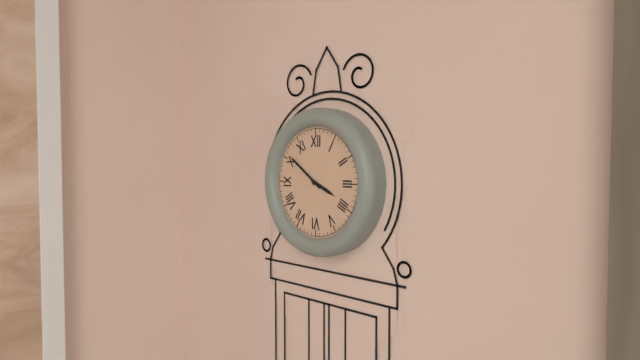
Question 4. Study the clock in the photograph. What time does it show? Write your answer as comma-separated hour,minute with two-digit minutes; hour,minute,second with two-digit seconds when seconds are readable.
3,51
